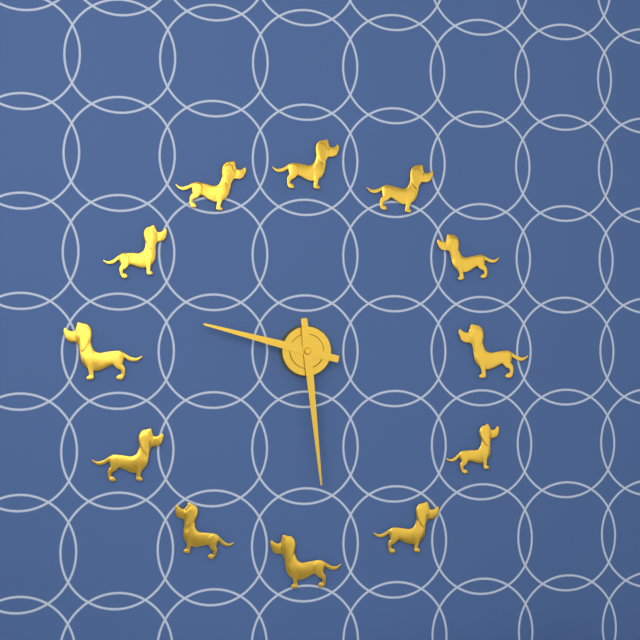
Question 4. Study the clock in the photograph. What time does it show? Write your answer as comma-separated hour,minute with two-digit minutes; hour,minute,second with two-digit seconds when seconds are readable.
9,29
